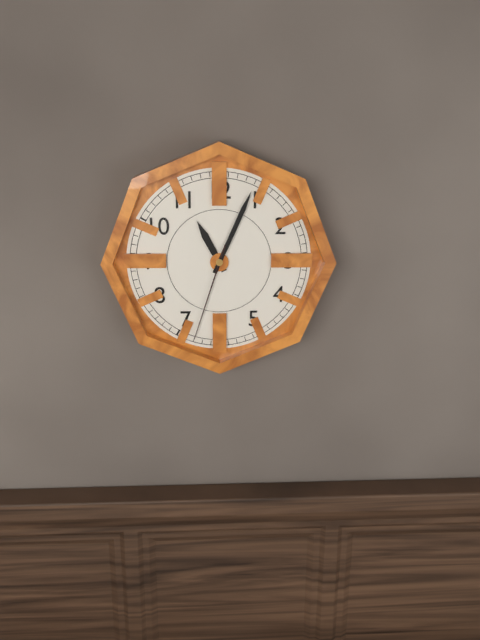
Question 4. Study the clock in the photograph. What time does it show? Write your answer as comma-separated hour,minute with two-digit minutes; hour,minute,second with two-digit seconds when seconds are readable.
11,04,33
